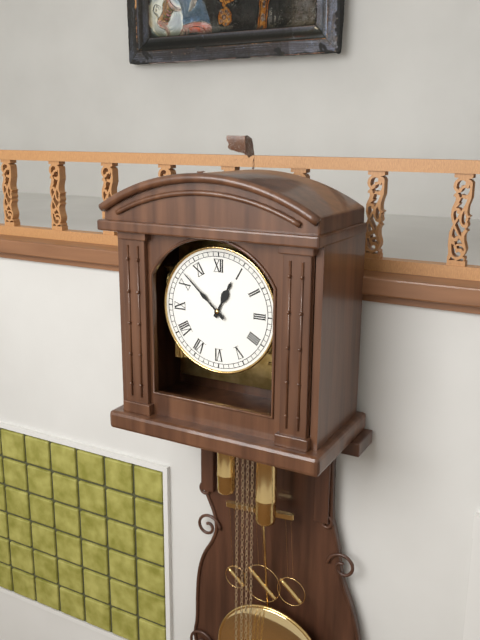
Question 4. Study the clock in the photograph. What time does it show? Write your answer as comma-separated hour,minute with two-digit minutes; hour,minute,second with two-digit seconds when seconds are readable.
12,52
